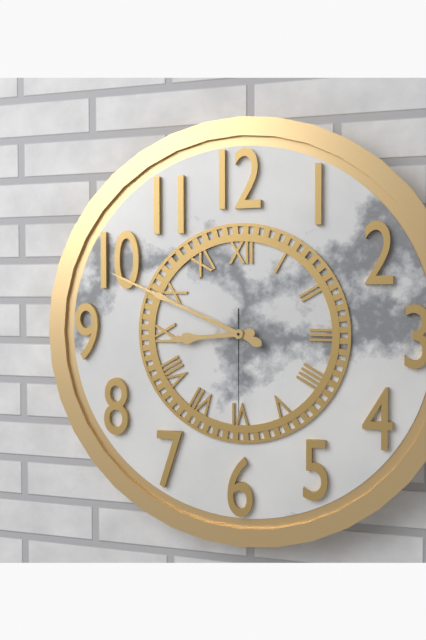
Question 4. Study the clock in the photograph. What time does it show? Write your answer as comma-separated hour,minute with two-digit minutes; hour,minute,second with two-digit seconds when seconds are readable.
8,49,30
